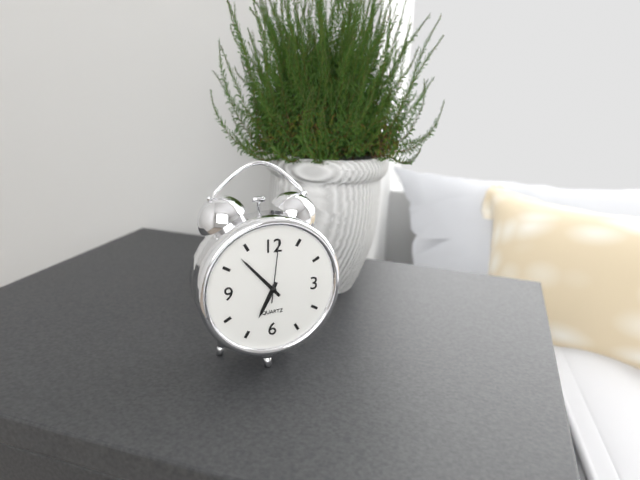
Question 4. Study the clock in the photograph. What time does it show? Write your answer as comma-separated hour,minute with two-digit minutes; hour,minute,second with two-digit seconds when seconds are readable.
6,53,01
